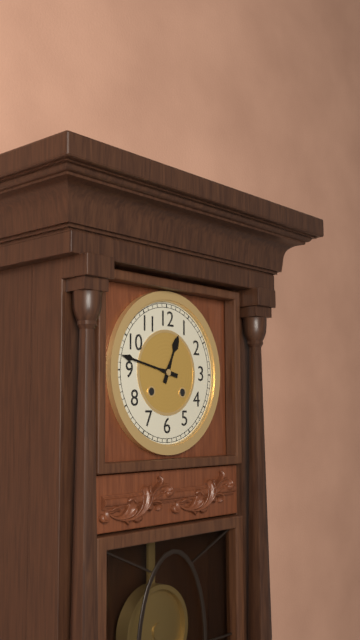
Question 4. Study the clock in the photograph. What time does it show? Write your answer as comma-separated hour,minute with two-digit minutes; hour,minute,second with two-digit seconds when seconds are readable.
12,47
